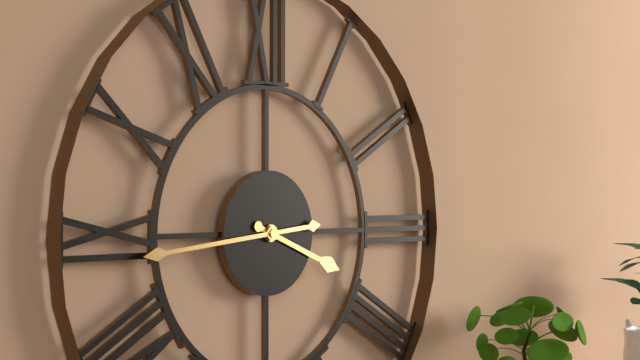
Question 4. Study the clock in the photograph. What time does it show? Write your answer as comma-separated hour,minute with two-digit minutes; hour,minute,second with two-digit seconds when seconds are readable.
3,44
